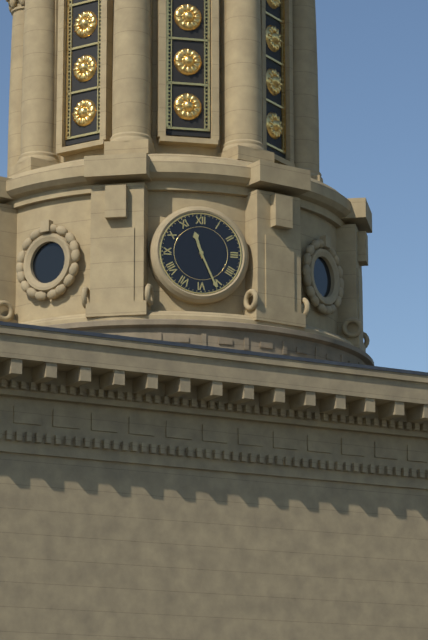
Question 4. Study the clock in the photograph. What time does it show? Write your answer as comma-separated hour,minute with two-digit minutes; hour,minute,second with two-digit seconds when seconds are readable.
11,26
